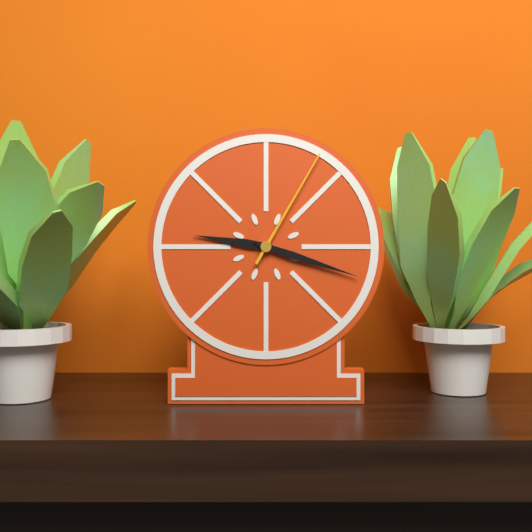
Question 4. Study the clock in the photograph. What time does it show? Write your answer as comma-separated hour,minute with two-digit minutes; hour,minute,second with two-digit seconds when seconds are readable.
9,18,05
